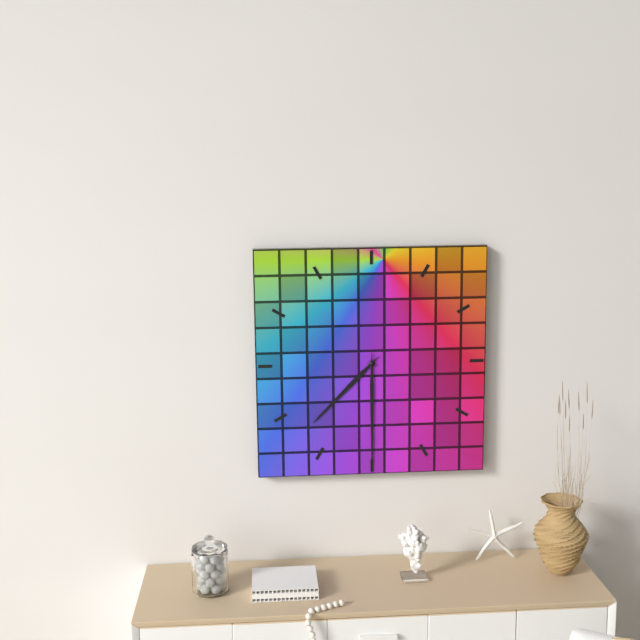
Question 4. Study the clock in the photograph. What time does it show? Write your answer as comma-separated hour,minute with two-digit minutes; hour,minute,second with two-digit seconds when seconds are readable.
7,30
